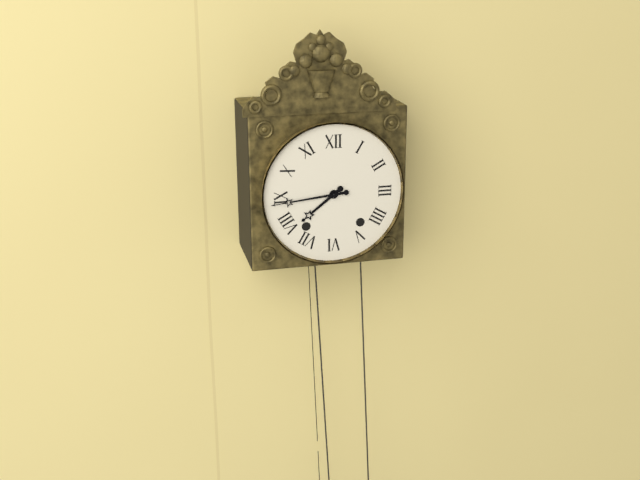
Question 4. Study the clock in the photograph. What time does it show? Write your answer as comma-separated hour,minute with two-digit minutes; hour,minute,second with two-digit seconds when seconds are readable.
7,44
